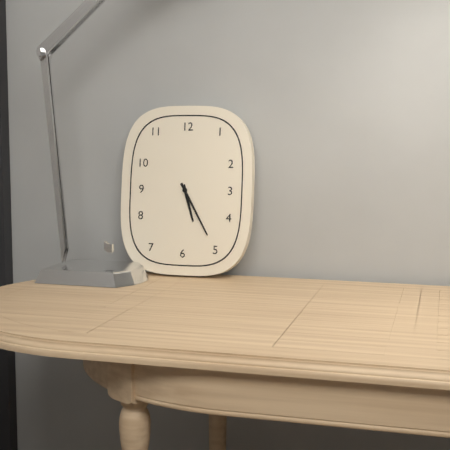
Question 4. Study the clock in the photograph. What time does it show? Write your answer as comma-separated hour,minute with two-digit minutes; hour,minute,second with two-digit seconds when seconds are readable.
5,25
